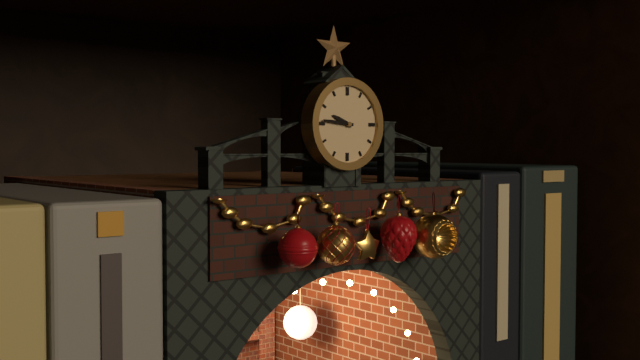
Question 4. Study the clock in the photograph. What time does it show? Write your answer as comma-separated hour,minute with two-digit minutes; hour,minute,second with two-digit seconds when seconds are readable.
9,46
